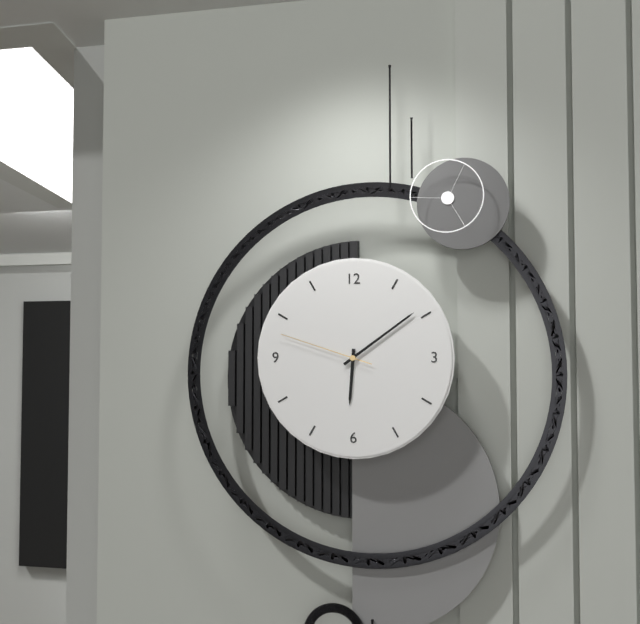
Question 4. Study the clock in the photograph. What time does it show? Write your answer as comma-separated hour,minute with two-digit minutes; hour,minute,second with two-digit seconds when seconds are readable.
6,09,48
